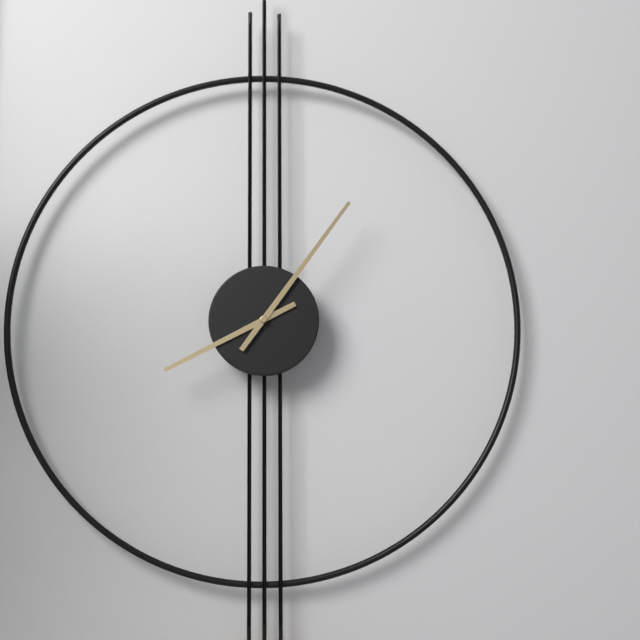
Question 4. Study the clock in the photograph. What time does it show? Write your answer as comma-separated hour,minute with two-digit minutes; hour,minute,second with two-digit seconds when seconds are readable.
8,06
